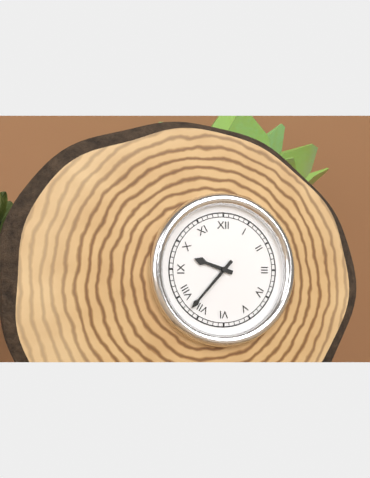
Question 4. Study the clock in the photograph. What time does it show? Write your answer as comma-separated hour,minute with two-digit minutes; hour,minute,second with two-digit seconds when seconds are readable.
9,37
